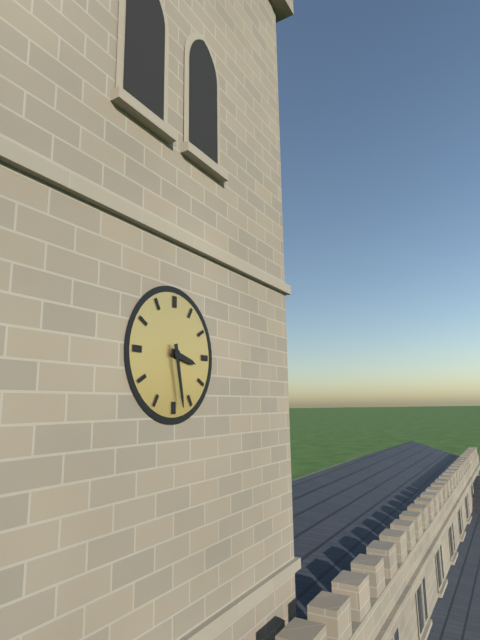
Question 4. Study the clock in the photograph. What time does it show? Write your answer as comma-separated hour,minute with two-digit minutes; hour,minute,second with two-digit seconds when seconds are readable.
3,28
